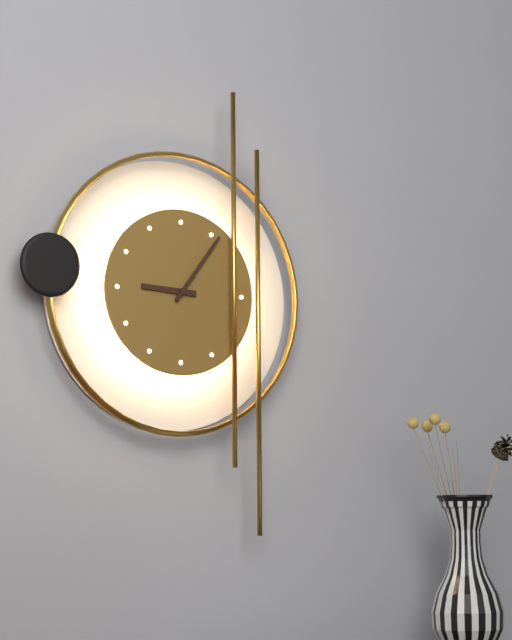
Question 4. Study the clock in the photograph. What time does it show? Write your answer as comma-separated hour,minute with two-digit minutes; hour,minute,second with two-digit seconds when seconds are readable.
9,06
